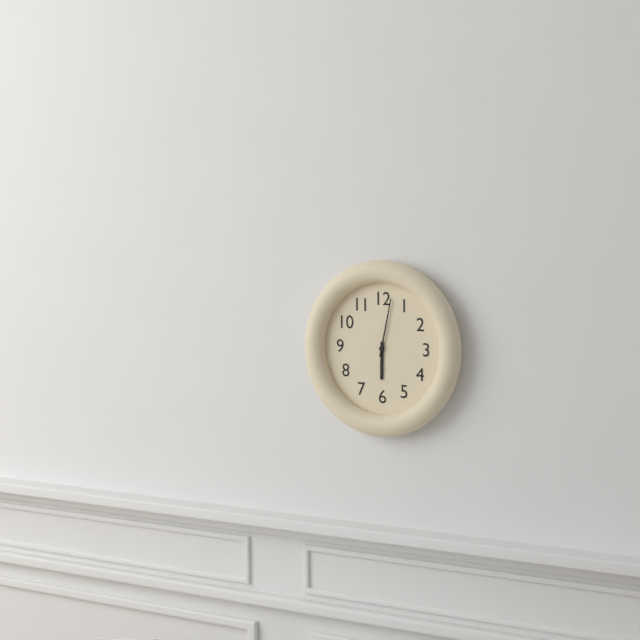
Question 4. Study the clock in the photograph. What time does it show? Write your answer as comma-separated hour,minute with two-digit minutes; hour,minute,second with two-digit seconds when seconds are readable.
6,02
